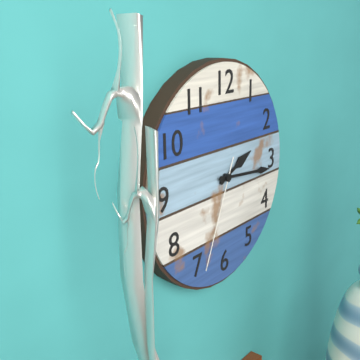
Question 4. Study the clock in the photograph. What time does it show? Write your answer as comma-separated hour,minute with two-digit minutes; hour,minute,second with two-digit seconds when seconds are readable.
2,16,34
